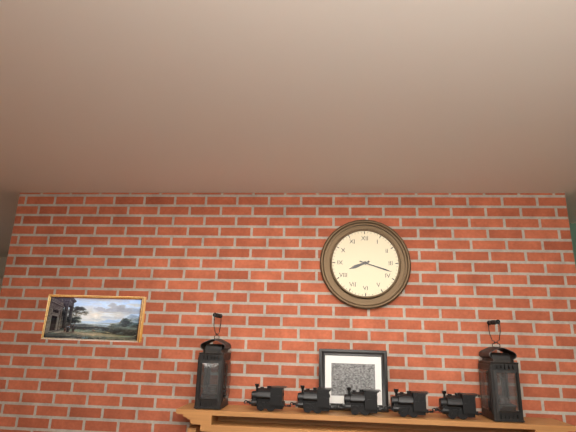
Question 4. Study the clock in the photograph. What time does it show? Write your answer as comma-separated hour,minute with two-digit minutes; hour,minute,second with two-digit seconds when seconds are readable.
8,18
